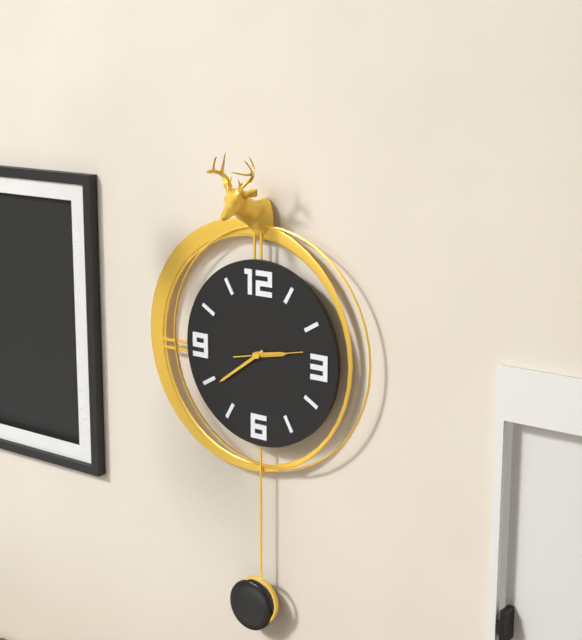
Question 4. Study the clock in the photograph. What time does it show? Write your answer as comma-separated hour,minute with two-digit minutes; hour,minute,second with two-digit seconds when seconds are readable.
2,39
